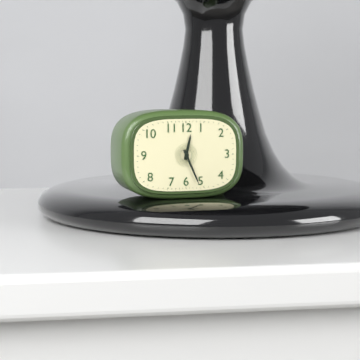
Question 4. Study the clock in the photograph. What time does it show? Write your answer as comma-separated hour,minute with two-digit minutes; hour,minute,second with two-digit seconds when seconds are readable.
12,26
